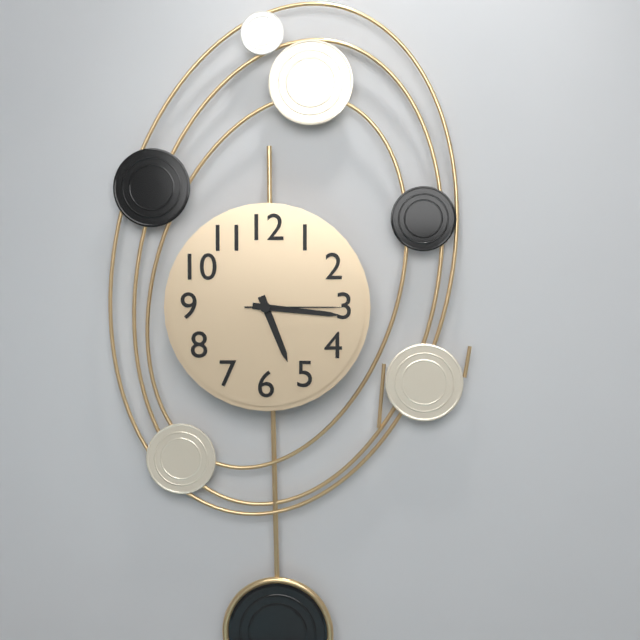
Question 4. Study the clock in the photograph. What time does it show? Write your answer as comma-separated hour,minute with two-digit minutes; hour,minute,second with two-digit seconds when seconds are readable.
5,16,15
